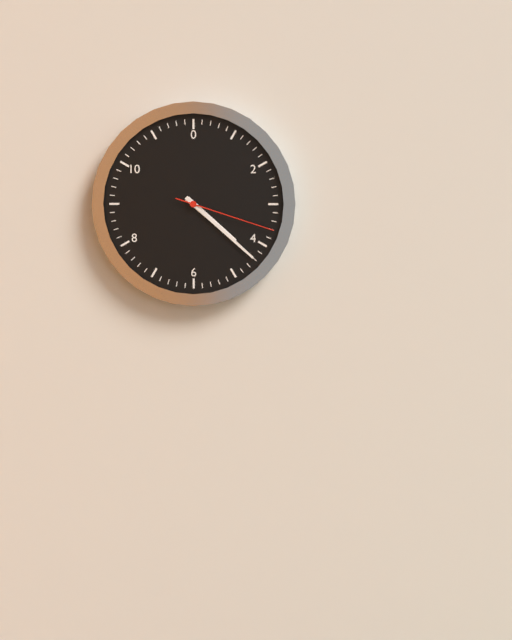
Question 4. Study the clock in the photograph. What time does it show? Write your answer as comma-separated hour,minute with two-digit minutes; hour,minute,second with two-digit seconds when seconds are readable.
4,22,18
